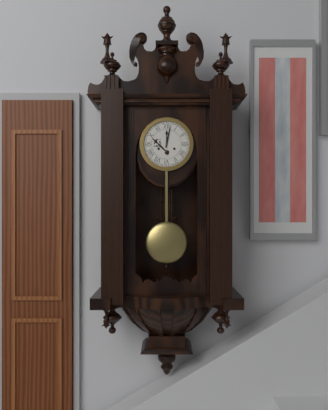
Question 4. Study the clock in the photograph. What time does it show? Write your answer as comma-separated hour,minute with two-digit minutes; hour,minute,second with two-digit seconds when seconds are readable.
12,02
